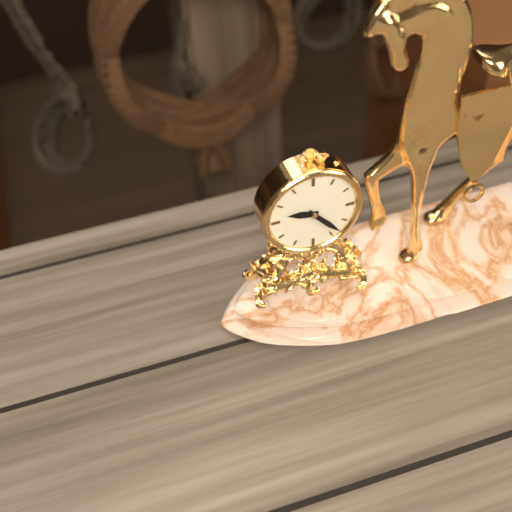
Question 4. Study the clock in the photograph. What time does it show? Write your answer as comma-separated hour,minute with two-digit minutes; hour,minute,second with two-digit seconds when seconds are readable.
9,23
